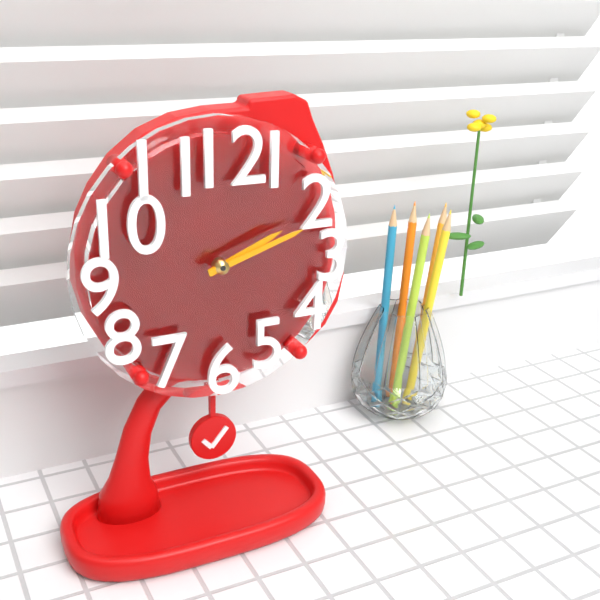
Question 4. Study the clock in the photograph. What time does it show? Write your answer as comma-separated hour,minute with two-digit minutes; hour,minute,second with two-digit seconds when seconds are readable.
2,12
